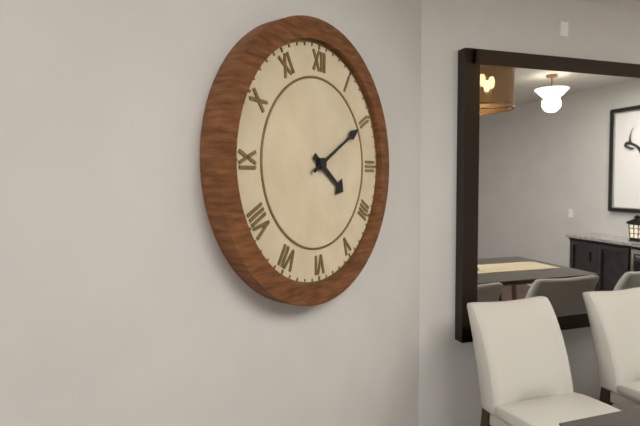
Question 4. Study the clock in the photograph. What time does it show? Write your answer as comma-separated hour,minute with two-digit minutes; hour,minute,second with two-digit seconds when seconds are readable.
4,10
